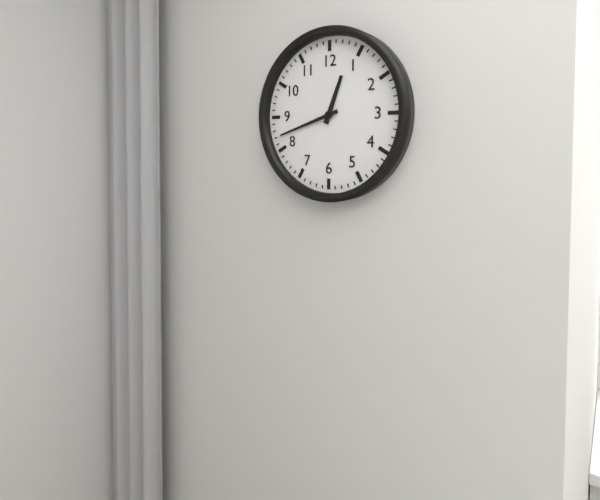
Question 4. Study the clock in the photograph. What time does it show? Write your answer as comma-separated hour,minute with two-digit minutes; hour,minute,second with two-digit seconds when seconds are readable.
12,42
